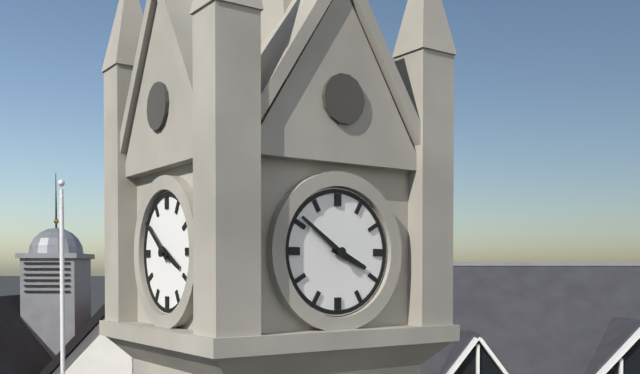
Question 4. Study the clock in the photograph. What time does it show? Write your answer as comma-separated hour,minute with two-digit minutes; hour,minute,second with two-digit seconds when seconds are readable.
3,51
